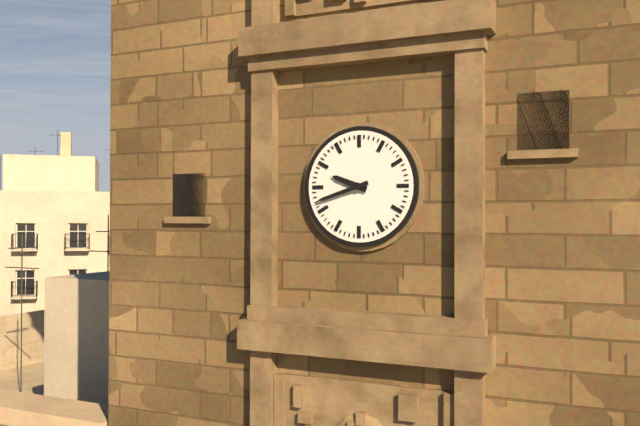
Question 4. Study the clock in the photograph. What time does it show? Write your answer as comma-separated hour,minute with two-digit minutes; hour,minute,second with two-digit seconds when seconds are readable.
9,42
